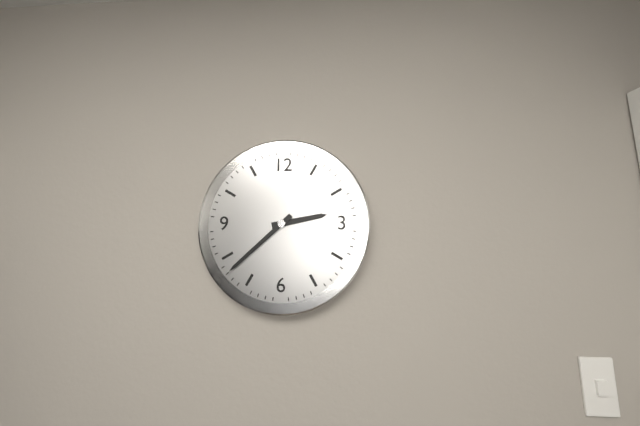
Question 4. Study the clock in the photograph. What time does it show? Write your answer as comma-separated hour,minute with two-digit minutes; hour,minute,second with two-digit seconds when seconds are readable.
2,38
